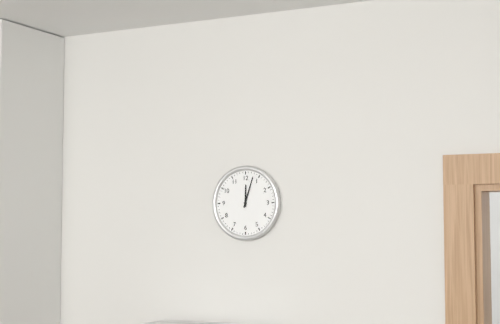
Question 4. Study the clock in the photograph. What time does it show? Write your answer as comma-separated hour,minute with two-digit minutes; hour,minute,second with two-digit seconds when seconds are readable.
12,03
